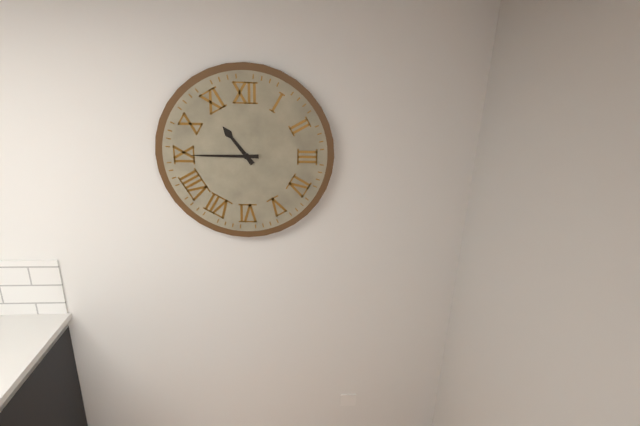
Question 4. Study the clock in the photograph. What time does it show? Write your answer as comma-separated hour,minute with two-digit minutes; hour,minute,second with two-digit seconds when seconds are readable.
10,45
